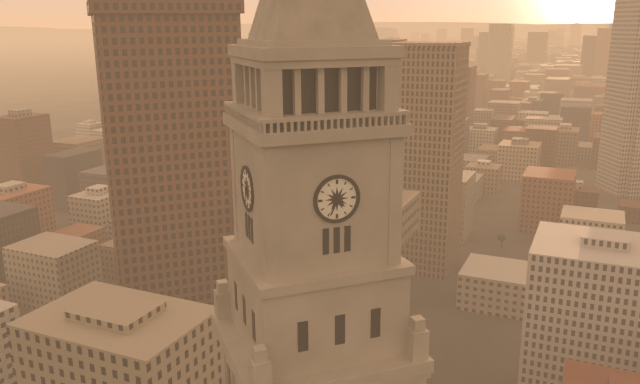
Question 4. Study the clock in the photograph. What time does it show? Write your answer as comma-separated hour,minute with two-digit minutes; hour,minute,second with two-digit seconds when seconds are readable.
4,34
